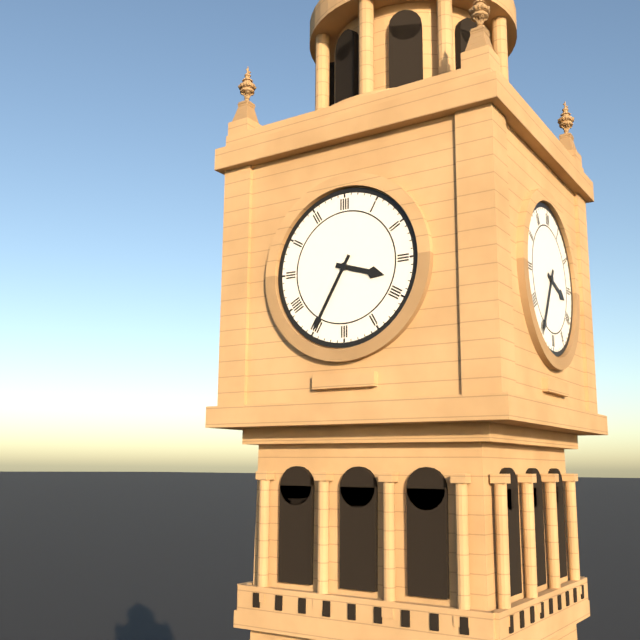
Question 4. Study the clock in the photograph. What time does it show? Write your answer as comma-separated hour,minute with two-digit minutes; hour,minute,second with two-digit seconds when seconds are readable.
3,35
